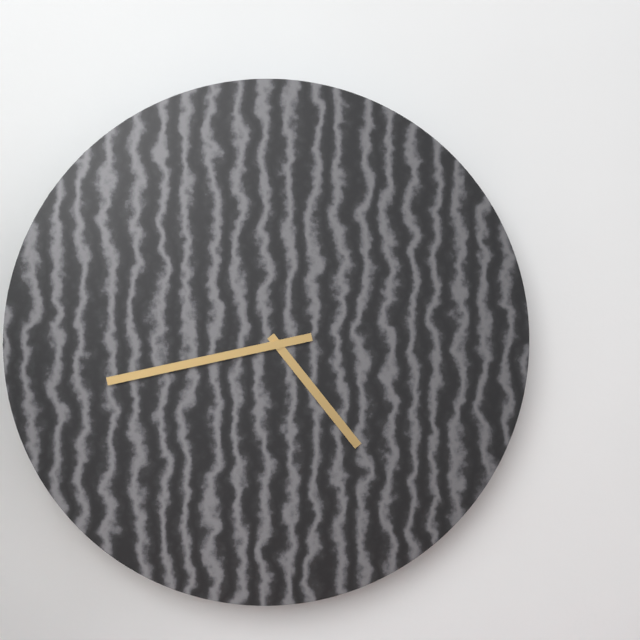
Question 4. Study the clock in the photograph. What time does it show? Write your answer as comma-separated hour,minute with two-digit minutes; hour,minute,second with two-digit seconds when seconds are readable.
4,43
